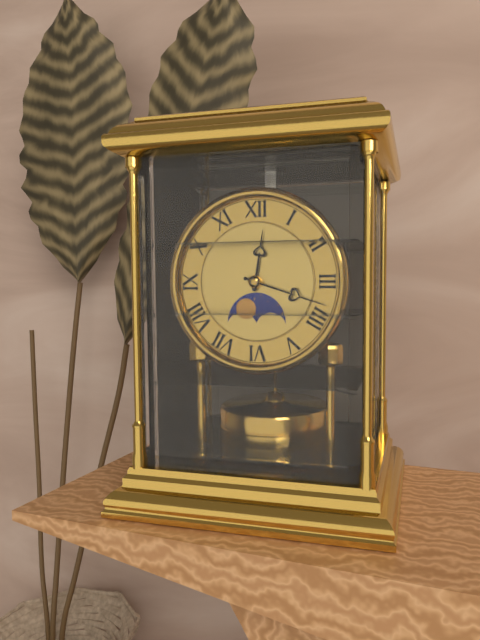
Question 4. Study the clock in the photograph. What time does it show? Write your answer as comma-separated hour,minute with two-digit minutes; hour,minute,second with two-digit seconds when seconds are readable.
12,18
